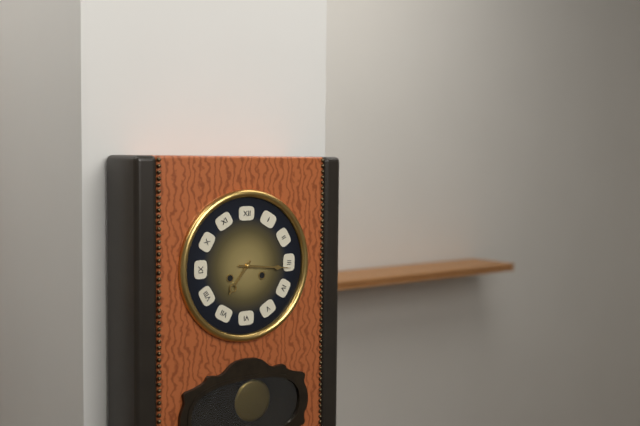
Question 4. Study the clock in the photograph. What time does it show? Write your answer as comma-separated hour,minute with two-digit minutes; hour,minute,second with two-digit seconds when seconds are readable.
7,16
